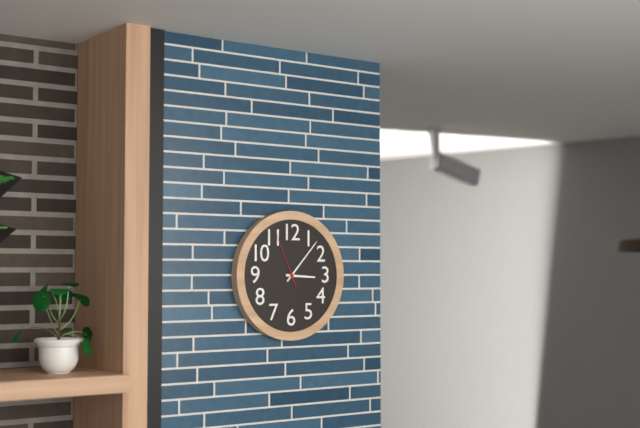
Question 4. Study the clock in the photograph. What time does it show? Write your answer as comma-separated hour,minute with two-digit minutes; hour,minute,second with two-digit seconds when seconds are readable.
3,07,56
